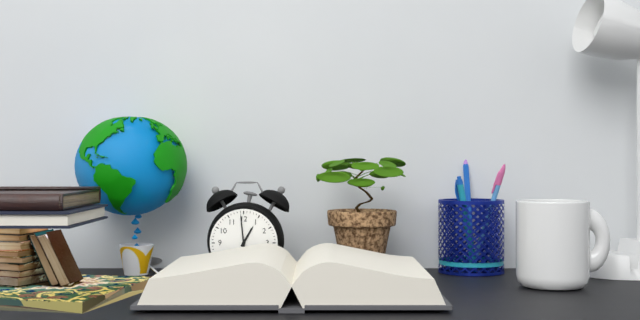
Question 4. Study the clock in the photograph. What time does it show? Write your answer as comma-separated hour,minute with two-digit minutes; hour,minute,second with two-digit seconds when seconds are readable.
12,59
